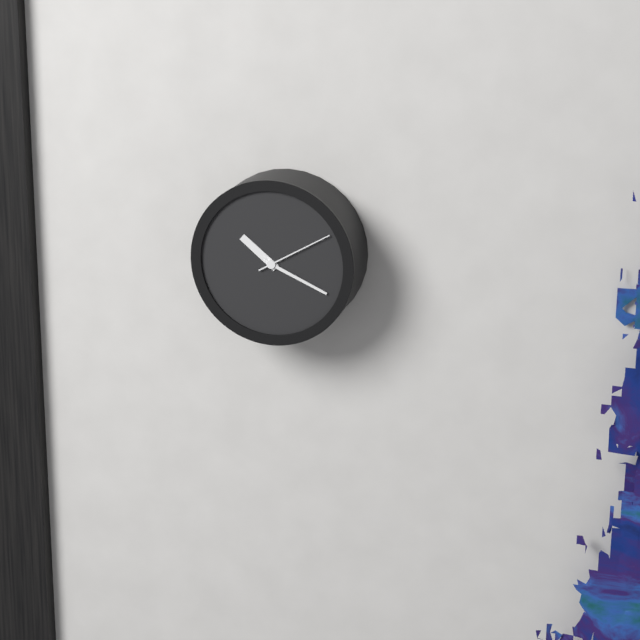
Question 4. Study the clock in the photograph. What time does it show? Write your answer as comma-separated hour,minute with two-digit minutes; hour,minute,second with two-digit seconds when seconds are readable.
10,19,10
